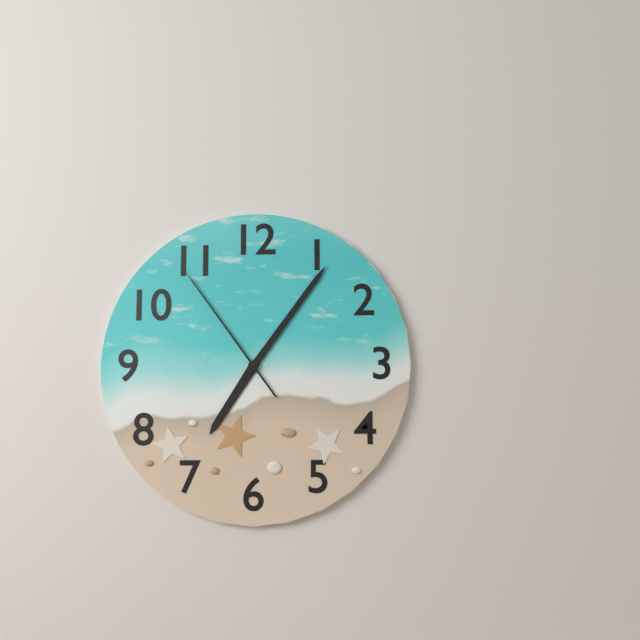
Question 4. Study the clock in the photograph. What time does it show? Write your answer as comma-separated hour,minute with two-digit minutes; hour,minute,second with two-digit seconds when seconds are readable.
7,06,54
